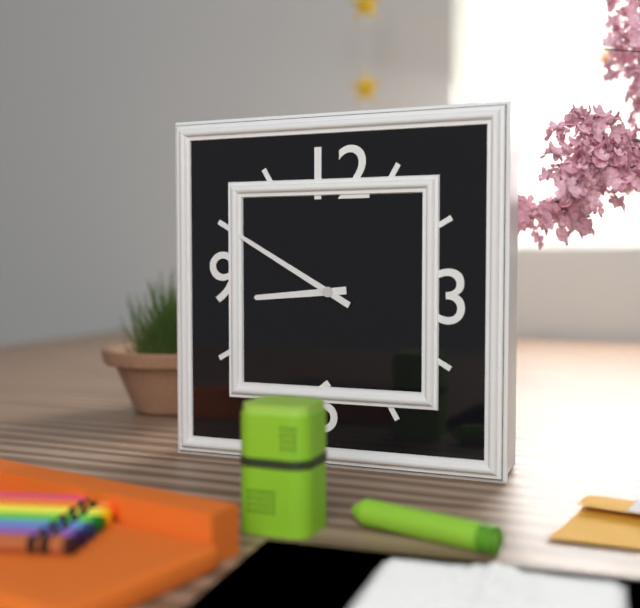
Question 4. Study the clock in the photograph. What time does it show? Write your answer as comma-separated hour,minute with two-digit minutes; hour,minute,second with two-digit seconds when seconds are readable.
8,50
